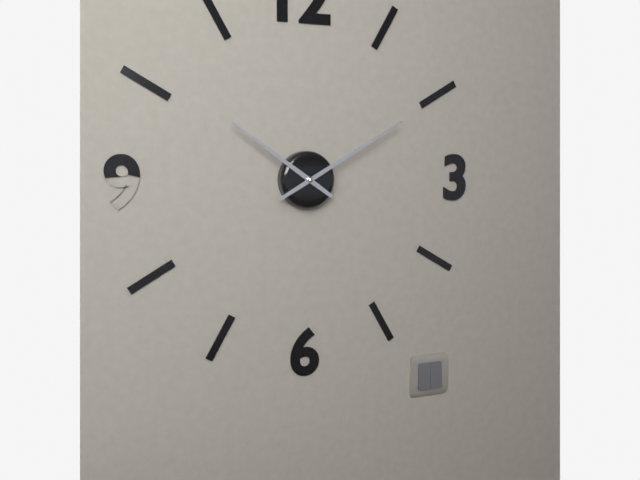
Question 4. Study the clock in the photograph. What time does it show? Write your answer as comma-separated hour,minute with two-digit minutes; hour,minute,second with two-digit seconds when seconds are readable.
10,10
